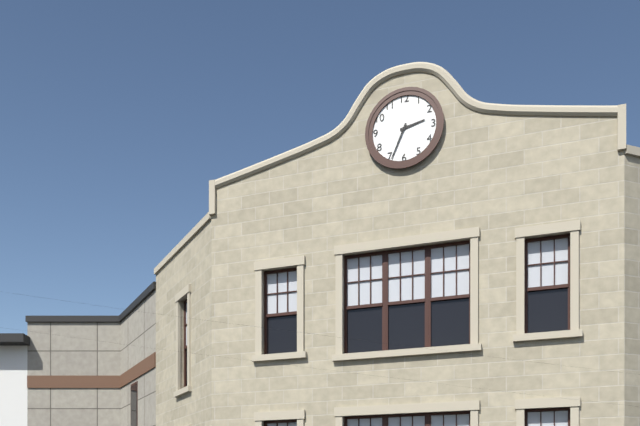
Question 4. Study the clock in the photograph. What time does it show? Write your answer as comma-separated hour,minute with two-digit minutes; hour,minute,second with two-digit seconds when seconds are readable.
2,34
